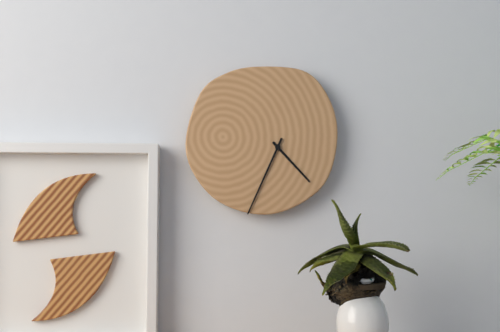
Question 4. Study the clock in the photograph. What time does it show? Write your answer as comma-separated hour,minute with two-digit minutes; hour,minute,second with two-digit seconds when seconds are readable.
4,34
